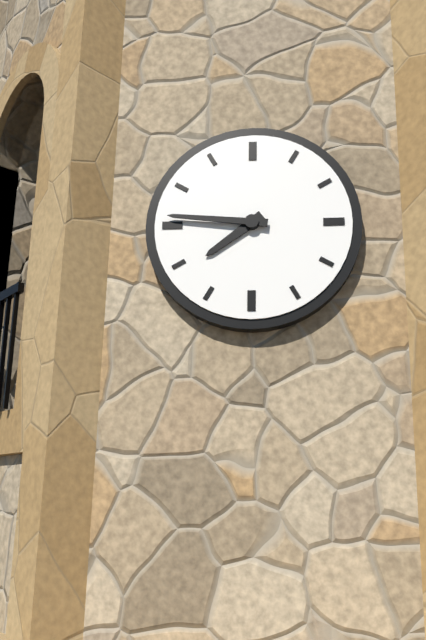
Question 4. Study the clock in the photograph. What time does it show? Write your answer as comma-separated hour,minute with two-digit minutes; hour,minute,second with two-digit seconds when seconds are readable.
7,46
